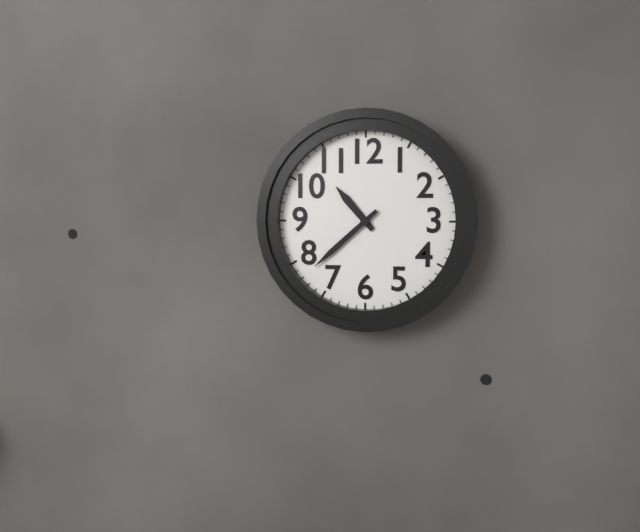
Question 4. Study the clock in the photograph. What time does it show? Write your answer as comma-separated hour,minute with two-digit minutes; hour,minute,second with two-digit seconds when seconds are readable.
10,38
